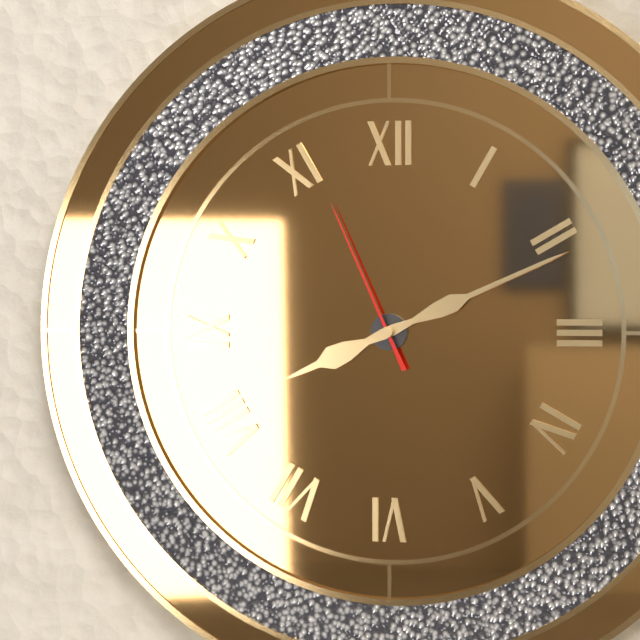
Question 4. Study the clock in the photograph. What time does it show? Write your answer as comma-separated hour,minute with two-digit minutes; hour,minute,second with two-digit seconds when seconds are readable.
8,11,56
